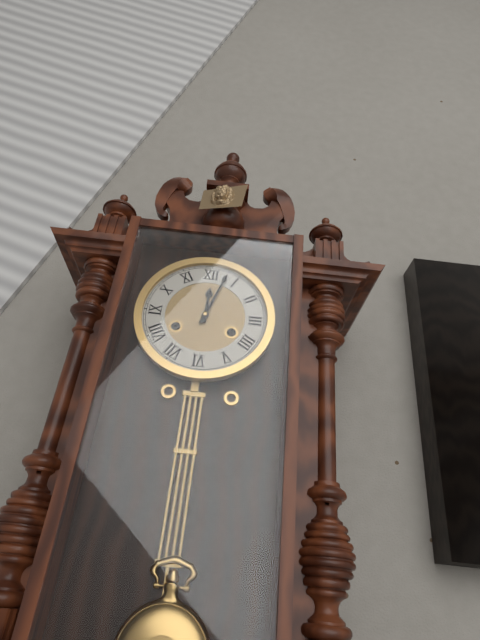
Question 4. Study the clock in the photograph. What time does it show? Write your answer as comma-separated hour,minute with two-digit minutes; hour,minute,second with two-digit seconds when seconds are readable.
12,03
